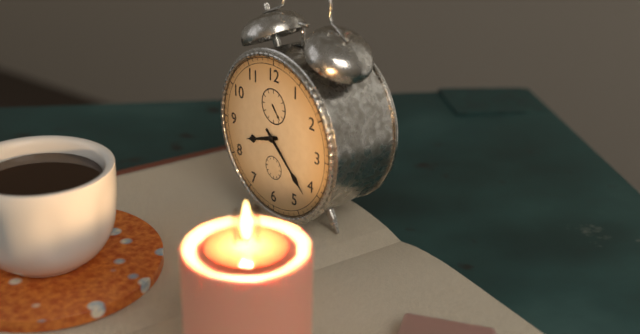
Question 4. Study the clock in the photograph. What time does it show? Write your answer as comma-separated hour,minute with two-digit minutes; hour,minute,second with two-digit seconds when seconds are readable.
8,22
